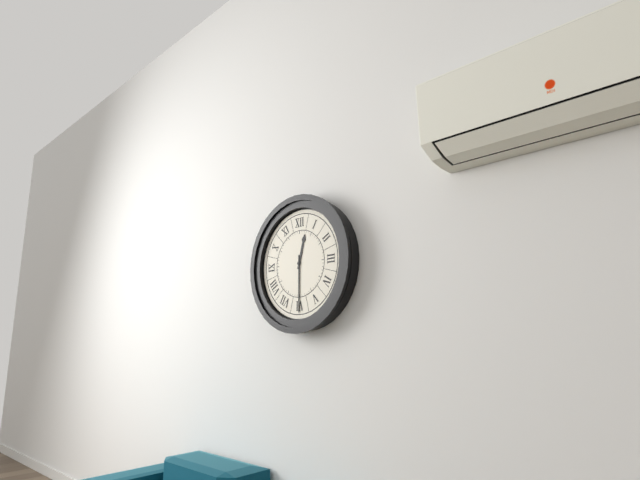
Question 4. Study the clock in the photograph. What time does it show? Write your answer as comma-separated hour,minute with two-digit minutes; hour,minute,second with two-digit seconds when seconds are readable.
12,30
